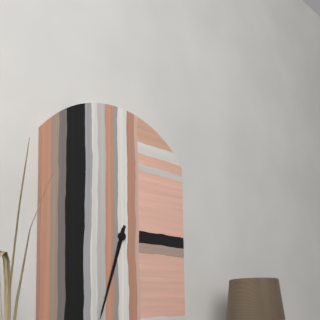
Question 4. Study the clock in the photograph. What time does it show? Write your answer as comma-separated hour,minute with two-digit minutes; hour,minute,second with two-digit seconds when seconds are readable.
6,33
